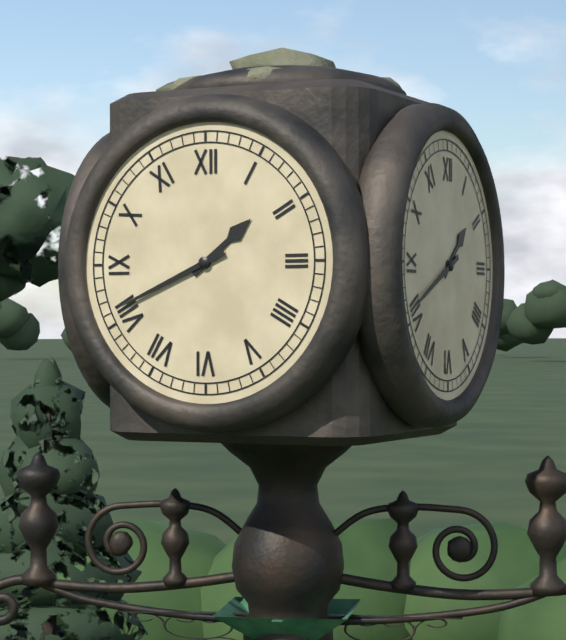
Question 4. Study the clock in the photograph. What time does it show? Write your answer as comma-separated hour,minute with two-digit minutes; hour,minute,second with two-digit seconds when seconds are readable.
1,41
